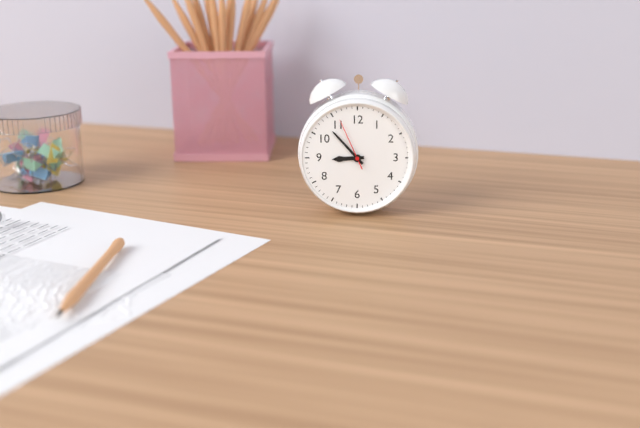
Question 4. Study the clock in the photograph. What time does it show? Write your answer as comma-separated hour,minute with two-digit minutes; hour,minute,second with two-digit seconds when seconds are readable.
8,53,56
